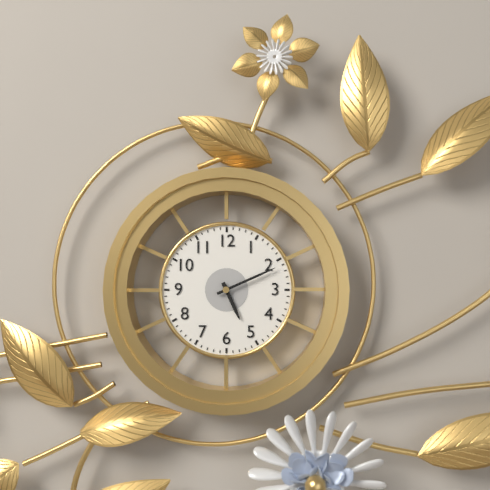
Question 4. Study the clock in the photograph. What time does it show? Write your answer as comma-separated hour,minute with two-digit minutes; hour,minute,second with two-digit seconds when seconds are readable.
5,11
